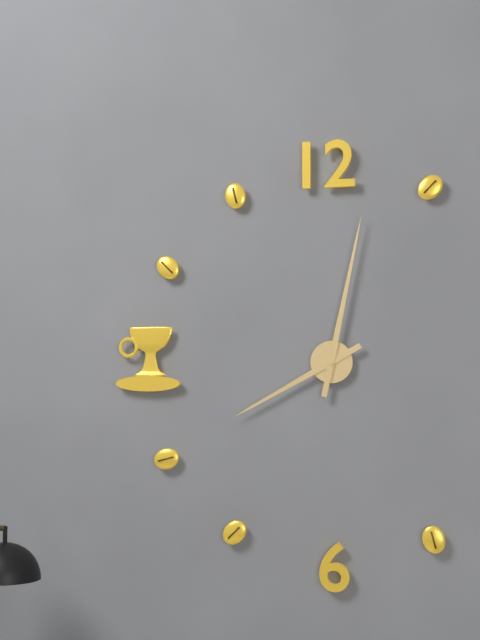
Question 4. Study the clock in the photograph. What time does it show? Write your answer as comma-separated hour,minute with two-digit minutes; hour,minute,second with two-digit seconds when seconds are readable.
8,02
